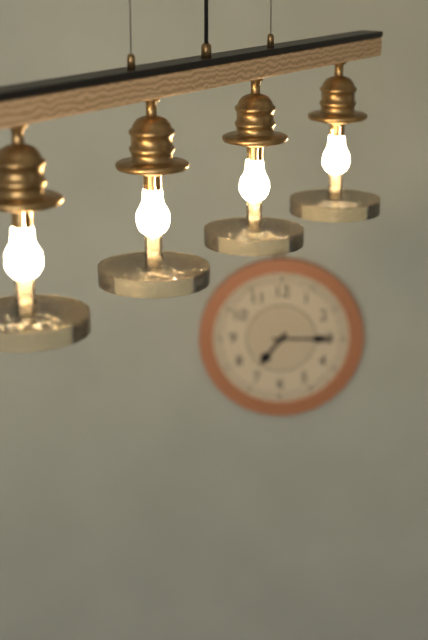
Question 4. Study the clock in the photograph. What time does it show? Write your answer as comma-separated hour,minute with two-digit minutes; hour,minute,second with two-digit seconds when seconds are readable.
7,15
